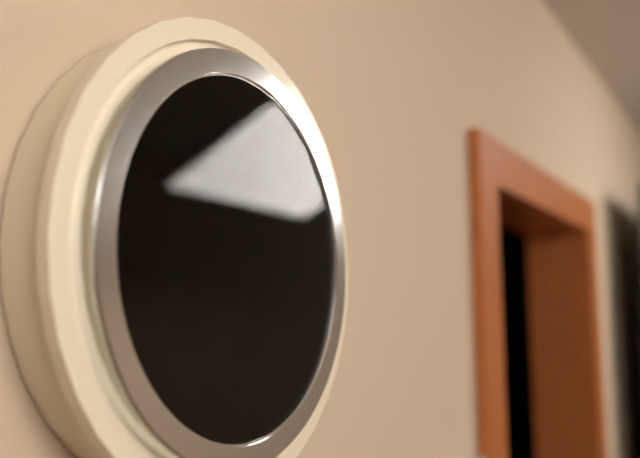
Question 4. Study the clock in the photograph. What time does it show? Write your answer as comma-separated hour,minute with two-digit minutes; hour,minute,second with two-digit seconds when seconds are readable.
3,40
